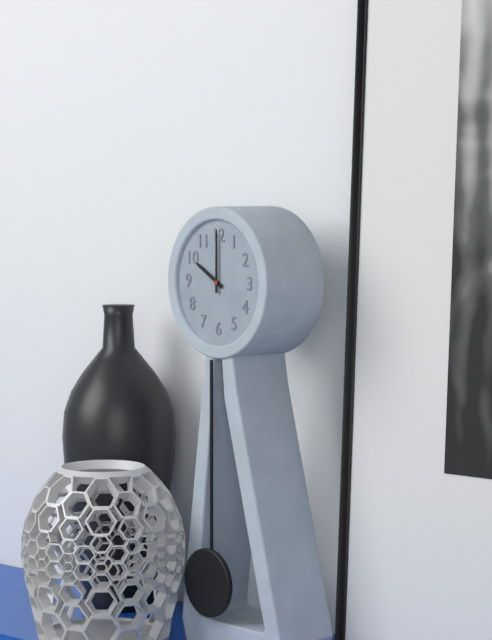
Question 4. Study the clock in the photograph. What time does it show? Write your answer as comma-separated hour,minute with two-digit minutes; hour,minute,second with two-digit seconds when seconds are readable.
10,00
